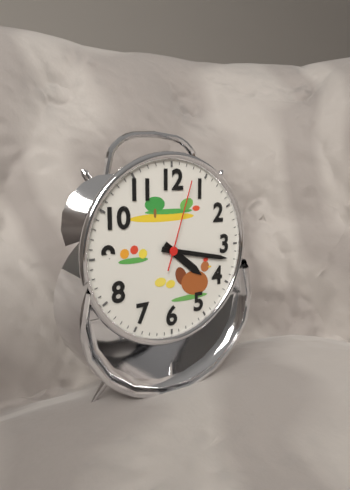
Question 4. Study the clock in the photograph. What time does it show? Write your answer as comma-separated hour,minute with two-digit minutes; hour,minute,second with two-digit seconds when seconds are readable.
4,17,03
